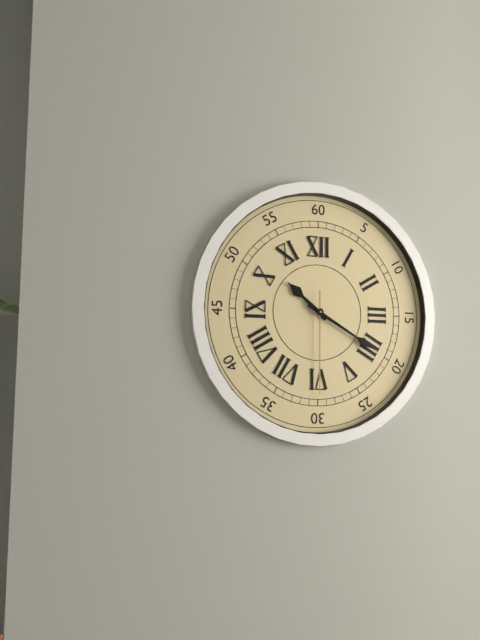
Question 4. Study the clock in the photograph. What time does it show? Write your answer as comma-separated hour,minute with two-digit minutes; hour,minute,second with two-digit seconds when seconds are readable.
10,20,30
